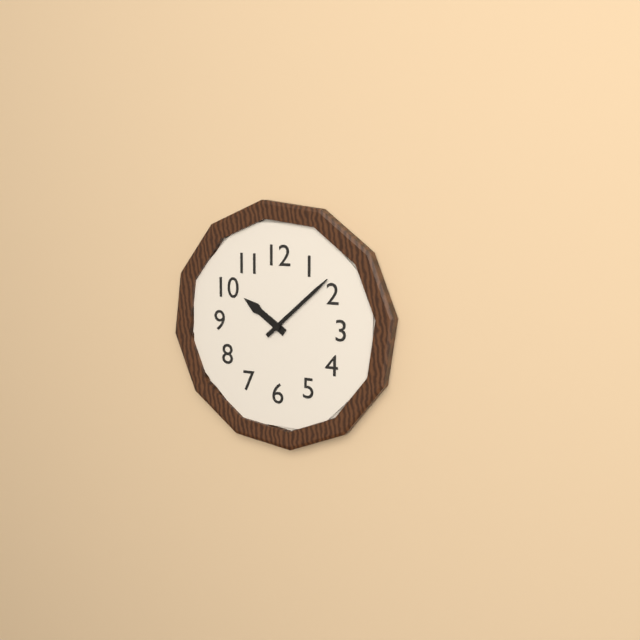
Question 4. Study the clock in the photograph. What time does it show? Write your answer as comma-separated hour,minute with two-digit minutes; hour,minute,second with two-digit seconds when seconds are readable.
10,08
